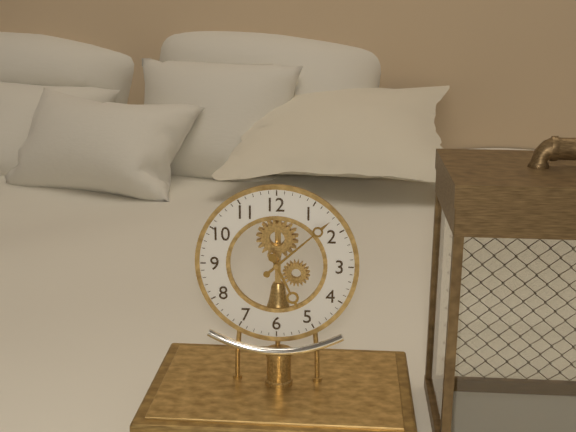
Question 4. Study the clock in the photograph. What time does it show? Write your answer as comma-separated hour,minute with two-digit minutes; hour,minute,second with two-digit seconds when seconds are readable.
5,08
